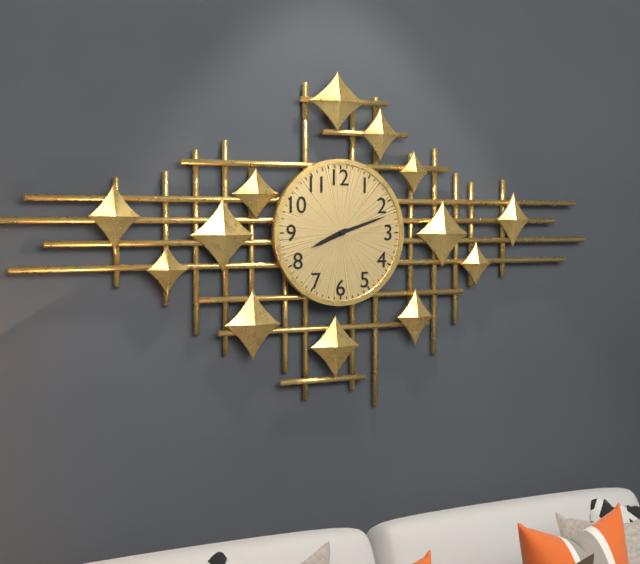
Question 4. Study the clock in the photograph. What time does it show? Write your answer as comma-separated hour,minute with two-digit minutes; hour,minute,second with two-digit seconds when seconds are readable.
8,12
